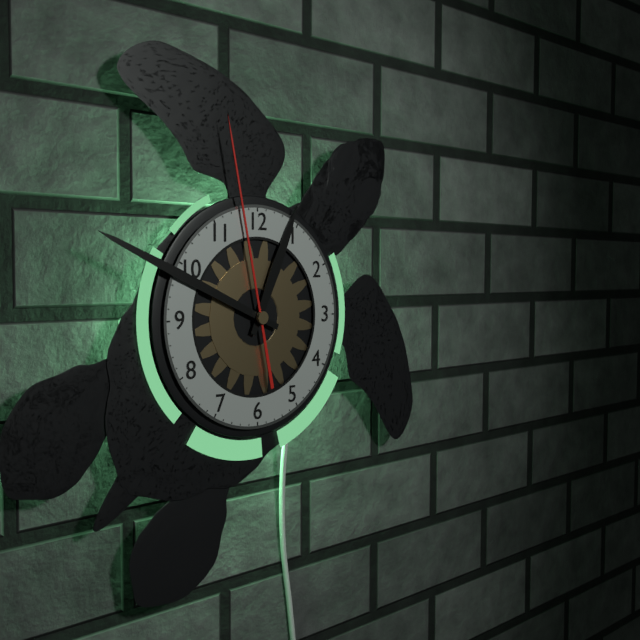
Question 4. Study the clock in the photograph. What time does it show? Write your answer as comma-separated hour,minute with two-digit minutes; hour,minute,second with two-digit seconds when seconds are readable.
12,49,58
